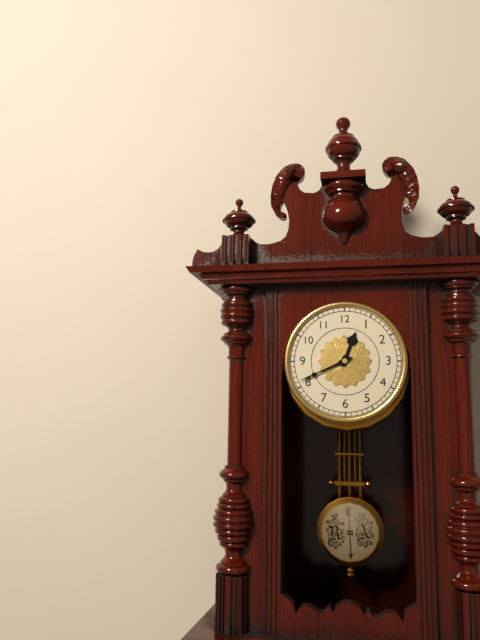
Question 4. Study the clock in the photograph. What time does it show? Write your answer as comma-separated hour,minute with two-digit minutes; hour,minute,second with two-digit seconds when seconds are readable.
12,41
